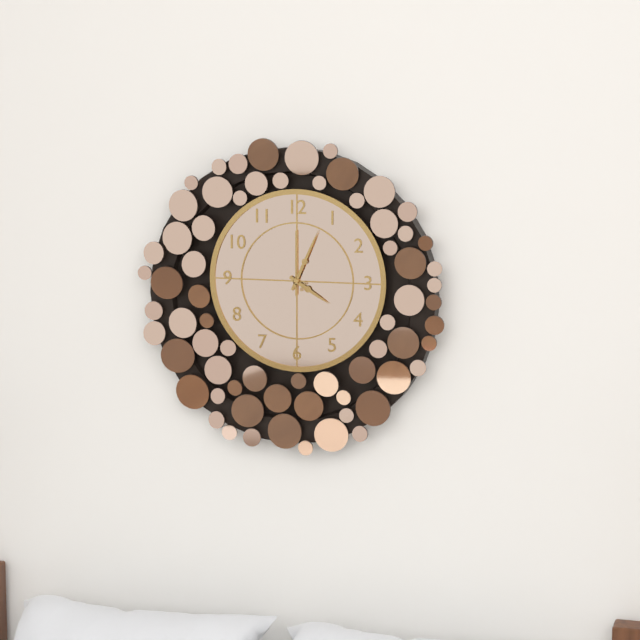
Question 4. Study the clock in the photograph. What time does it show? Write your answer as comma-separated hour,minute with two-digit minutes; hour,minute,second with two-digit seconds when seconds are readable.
4,04,00
